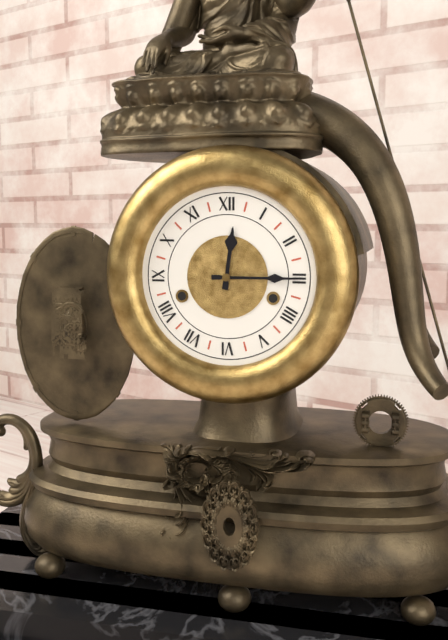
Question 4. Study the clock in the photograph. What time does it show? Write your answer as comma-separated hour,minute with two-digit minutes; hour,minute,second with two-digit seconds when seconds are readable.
12,15
